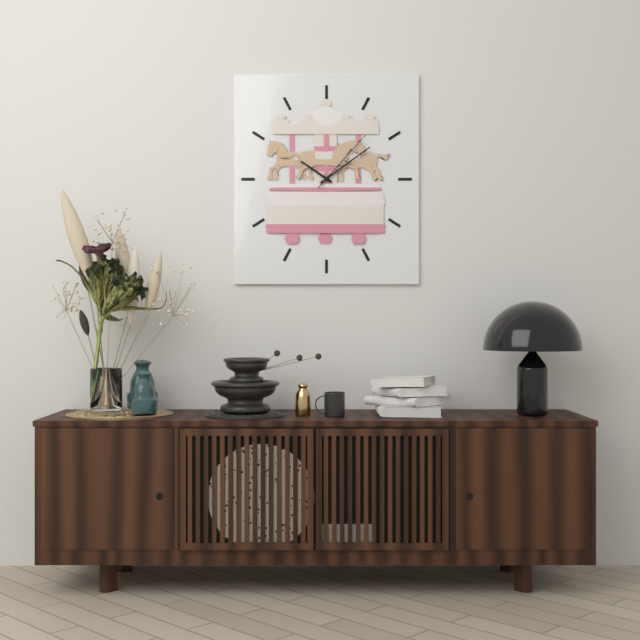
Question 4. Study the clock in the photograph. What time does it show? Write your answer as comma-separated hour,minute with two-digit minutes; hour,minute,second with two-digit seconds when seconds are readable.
10,09,07
